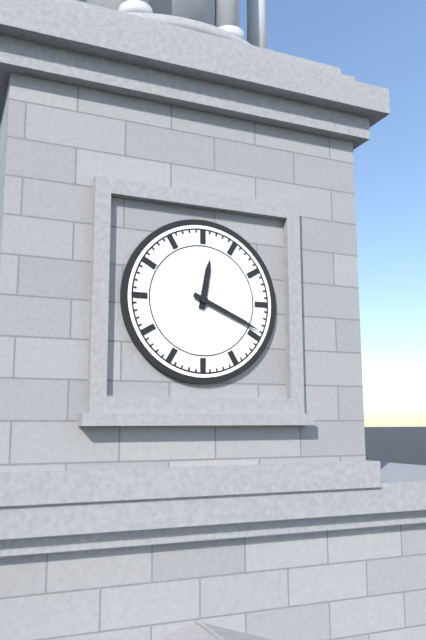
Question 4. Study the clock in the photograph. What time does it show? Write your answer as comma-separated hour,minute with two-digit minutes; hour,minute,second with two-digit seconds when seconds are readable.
12,19
